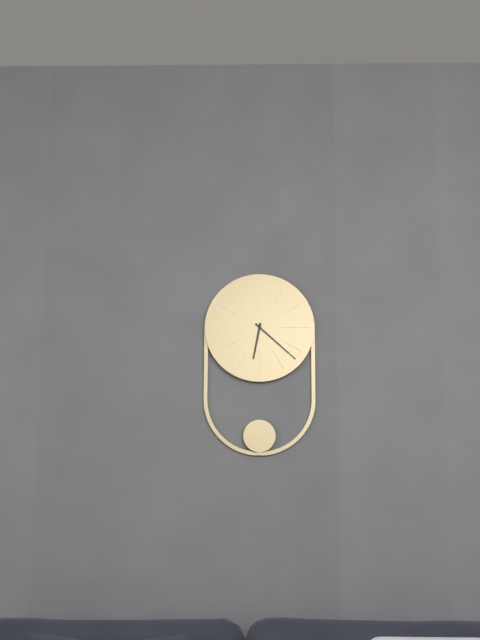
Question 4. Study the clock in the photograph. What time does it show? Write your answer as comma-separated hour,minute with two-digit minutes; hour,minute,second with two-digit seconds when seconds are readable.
6,22
